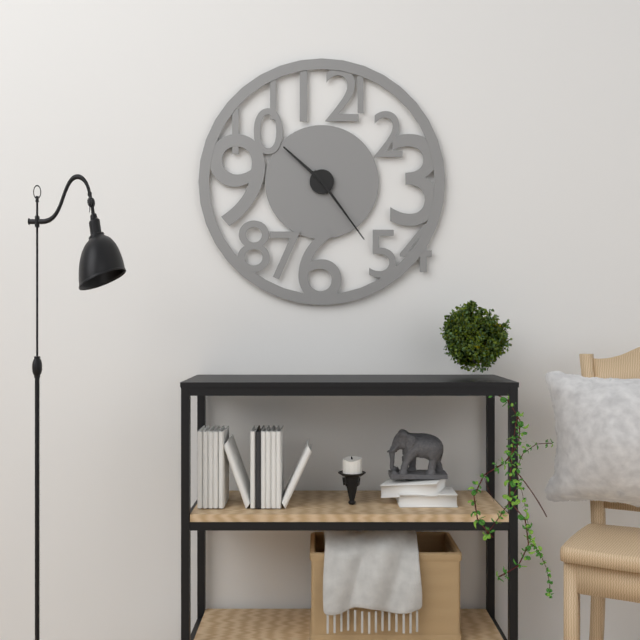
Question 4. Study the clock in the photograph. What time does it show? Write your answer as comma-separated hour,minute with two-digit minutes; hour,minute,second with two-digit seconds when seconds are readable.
10,24
